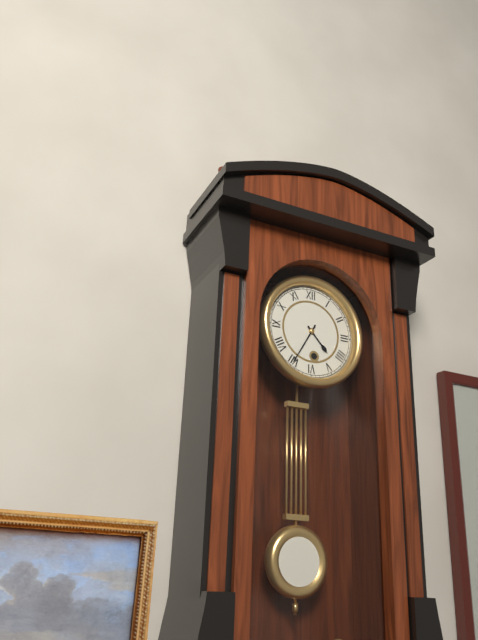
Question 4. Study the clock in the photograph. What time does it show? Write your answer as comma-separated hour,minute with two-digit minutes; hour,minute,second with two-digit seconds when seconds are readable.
4,35
